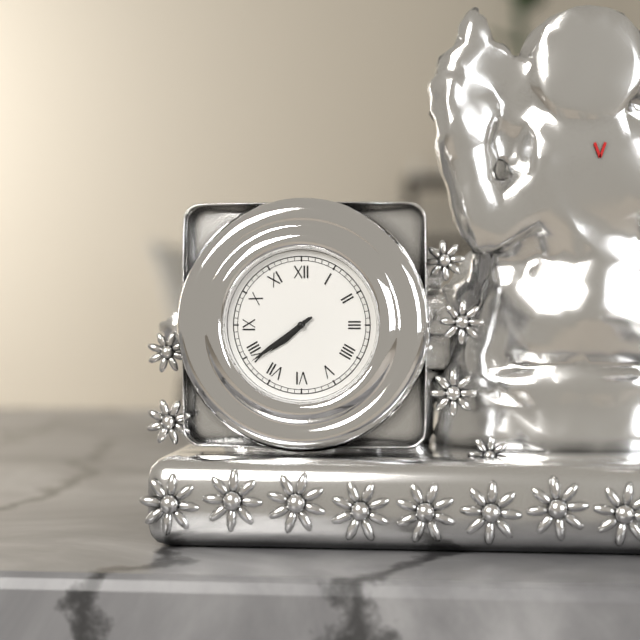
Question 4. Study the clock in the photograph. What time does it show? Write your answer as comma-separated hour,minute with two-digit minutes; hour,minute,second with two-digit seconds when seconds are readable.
7,39
